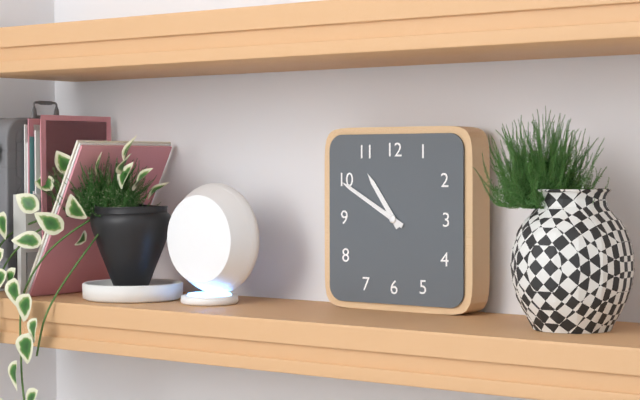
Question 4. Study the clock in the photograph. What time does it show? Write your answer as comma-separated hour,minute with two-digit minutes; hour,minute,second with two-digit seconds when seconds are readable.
10,50
